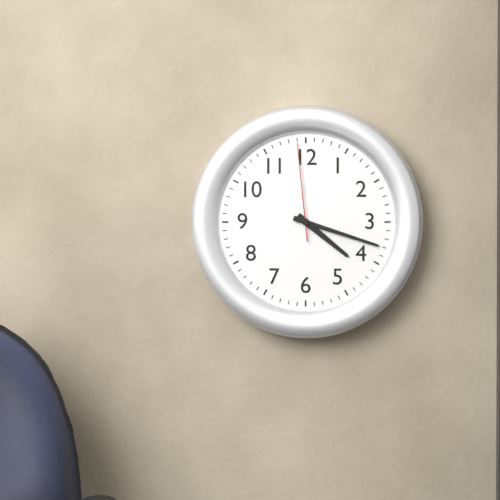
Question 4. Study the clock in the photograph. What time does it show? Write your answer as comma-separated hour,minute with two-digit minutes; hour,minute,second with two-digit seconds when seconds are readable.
4,18,59
